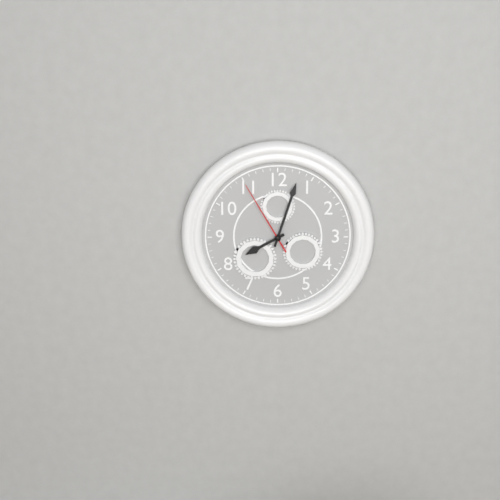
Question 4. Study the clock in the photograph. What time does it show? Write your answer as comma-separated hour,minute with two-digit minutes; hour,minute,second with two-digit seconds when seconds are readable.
8,03,55
